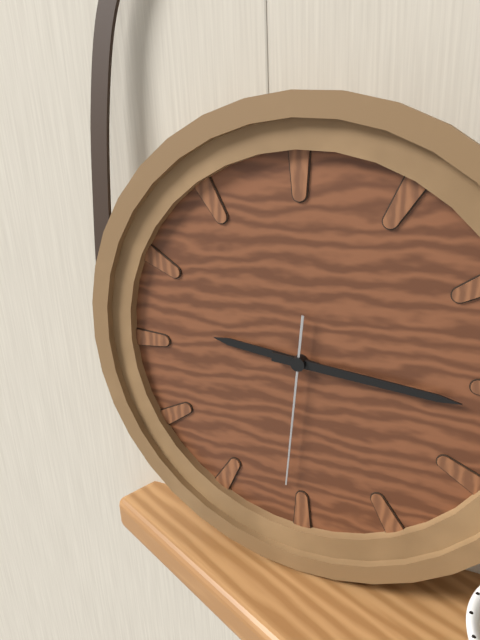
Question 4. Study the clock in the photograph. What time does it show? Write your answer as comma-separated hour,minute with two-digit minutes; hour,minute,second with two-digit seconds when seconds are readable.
9,16,31
